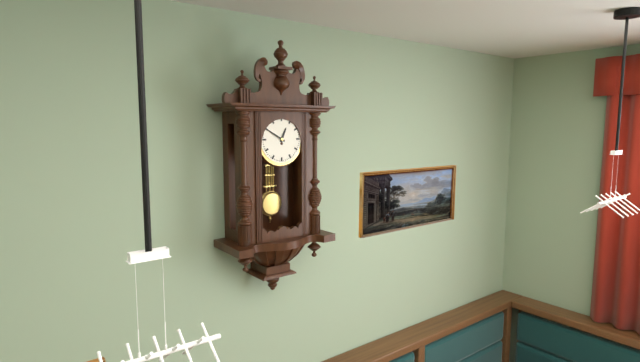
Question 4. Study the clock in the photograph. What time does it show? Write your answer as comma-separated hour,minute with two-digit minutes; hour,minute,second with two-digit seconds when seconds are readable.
12,50
